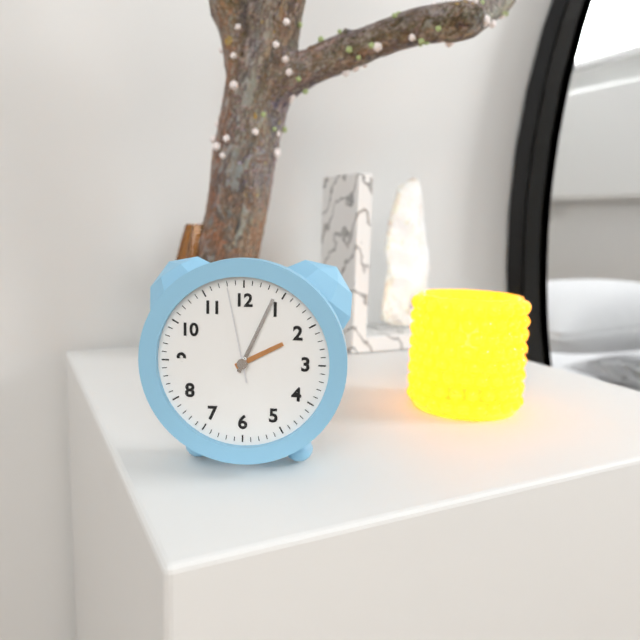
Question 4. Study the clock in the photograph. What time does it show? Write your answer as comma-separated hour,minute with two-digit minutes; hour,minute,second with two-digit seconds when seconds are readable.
2,04,58
